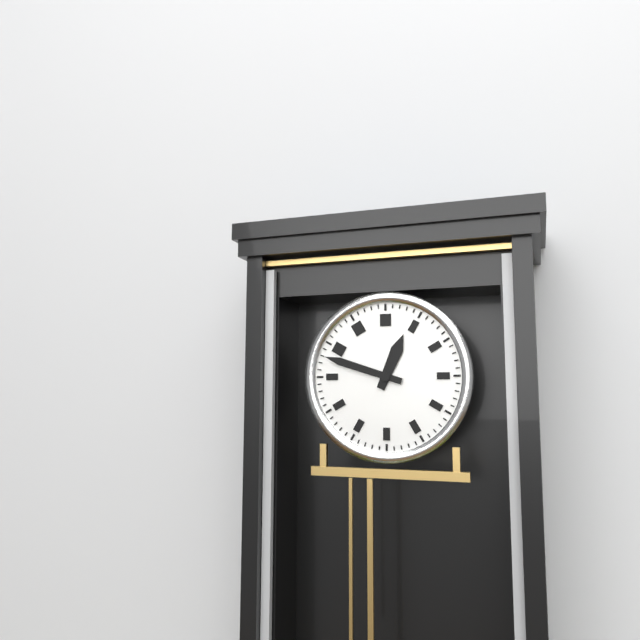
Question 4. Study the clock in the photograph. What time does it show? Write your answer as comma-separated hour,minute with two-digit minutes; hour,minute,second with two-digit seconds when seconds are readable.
12,48
